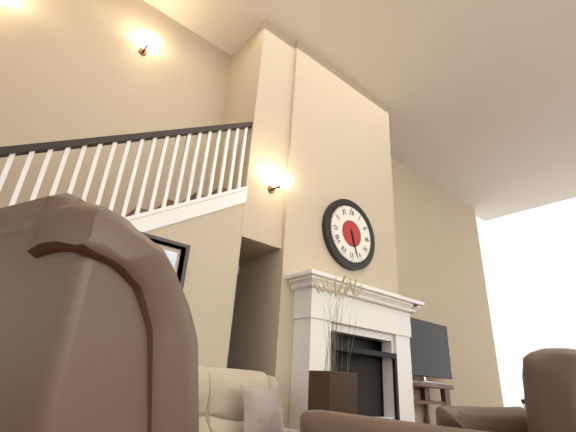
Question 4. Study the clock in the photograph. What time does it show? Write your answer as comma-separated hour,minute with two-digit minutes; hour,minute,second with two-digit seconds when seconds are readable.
5,27
